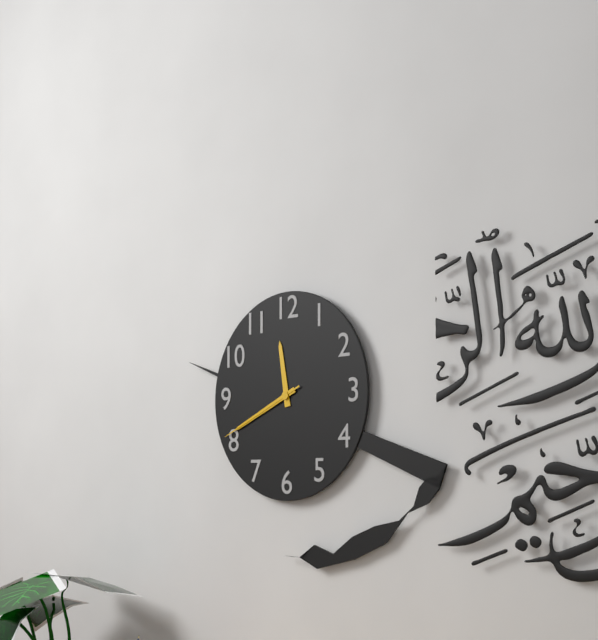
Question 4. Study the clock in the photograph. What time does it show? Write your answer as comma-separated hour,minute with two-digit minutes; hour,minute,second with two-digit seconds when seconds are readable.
11,41,41
